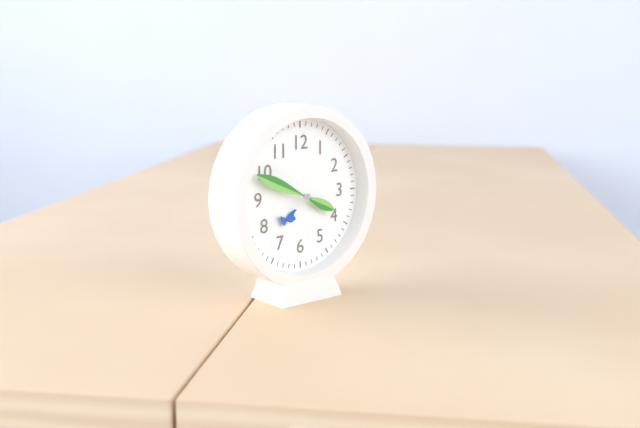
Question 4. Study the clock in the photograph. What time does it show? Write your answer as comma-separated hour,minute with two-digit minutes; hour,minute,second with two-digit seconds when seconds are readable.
3,49
